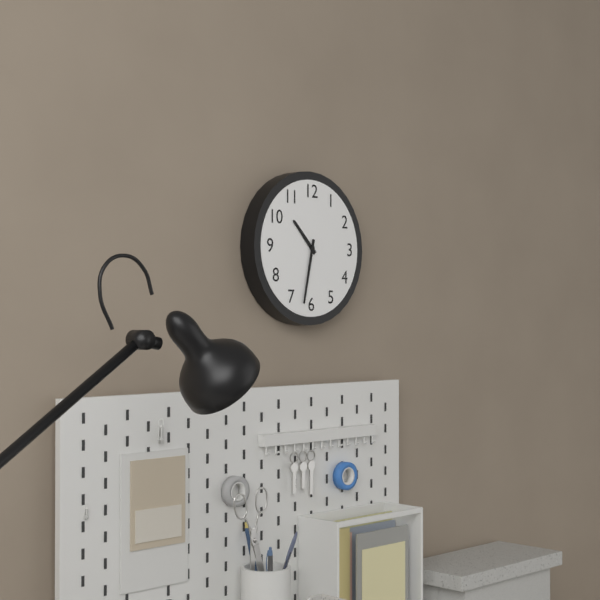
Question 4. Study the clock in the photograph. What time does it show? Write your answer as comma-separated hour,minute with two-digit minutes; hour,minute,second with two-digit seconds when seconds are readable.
10,32
